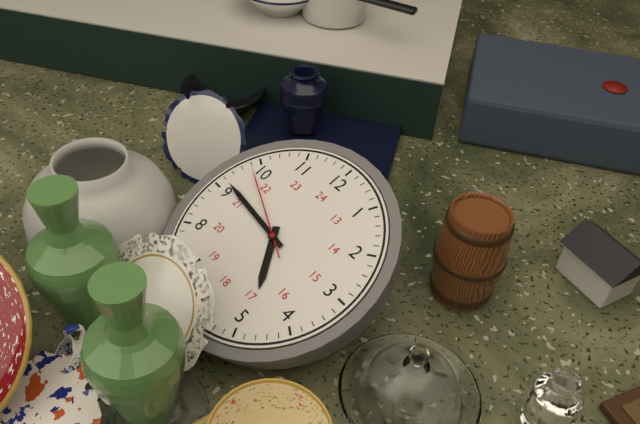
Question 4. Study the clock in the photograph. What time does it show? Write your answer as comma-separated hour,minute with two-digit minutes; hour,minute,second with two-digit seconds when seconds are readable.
4,46,49
